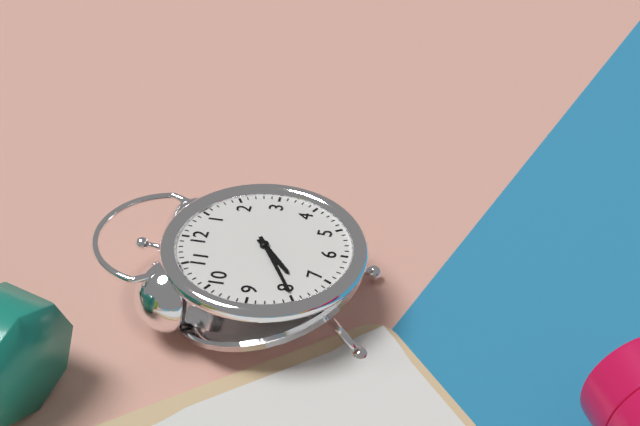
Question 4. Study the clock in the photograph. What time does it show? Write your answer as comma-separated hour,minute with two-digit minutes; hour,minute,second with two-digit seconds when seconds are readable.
7,40
